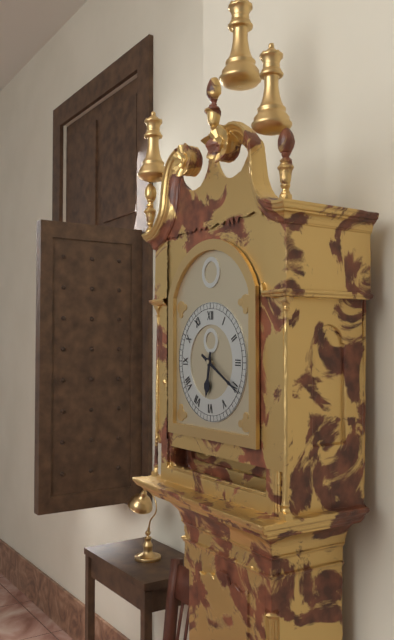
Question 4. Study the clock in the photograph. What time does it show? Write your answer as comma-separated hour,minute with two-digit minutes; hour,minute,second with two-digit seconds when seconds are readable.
6,20
